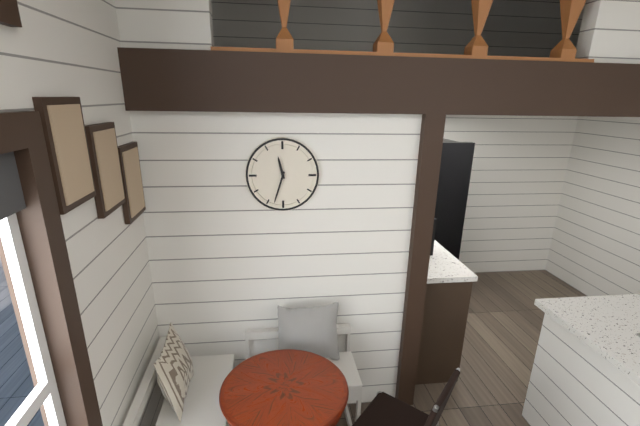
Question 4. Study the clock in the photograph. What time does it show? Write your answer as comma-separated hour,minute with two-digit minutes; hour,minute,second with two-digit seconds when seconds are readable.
11,33
